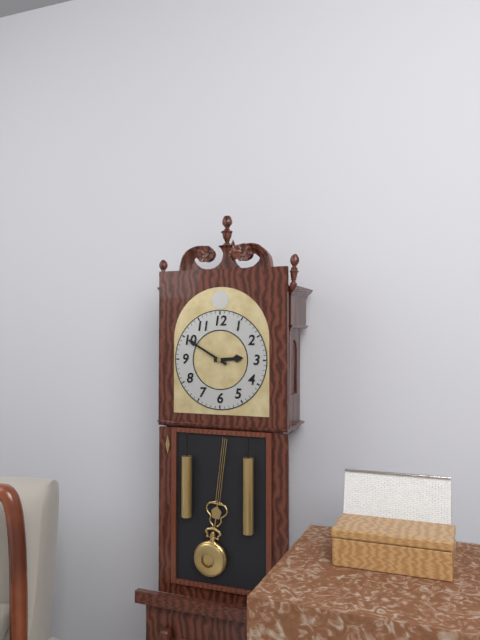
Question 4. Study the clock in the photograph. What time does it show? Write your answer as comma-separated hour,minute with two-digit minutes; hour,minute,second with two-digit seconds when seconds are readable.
2,50
